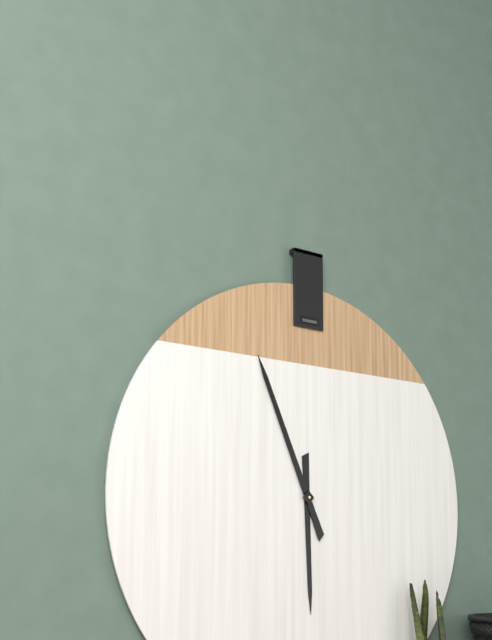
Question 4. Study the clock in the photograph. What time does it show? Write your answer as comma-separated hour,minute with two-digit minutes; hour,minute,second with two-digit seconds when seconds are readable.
5,56
